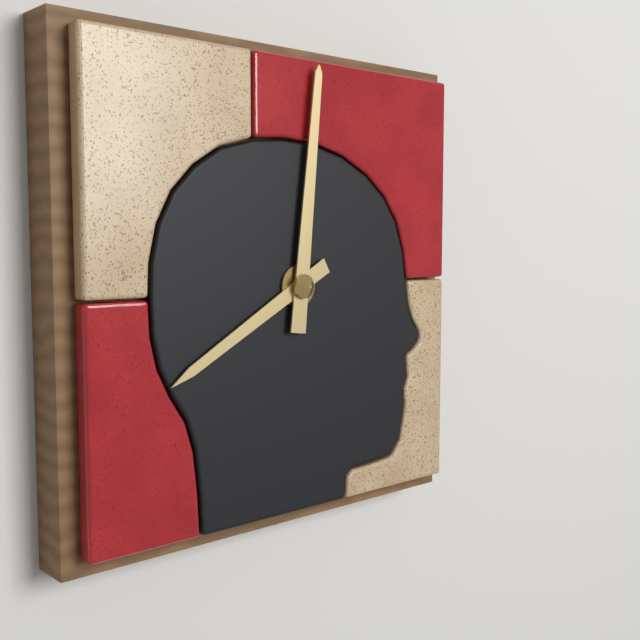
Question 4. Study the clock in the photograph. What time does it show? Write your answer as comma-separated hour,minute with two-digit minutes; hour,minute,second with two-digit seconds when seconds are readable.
8,01
